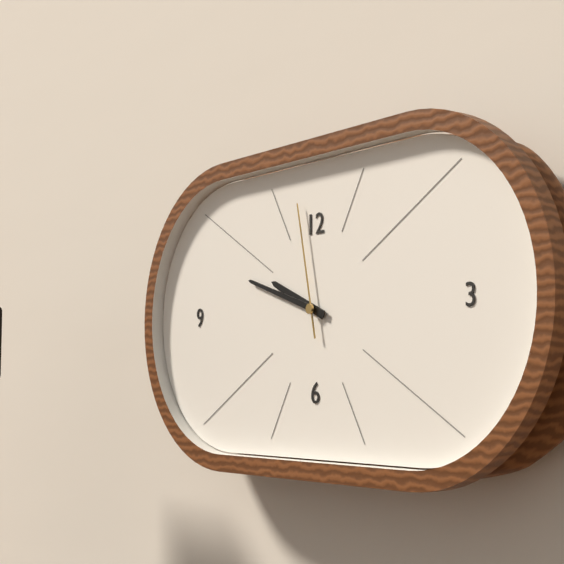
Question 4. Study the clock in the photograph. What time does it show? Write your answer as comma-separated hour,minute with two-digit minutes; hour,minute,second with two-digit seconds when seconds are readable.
9,48,58
